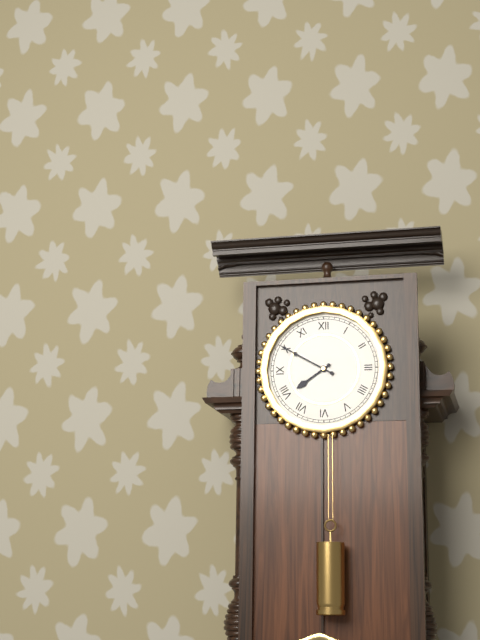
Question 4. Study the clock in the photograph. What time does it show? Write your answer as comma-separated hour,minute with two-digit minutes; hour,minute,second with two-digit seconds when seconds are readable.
7,50
